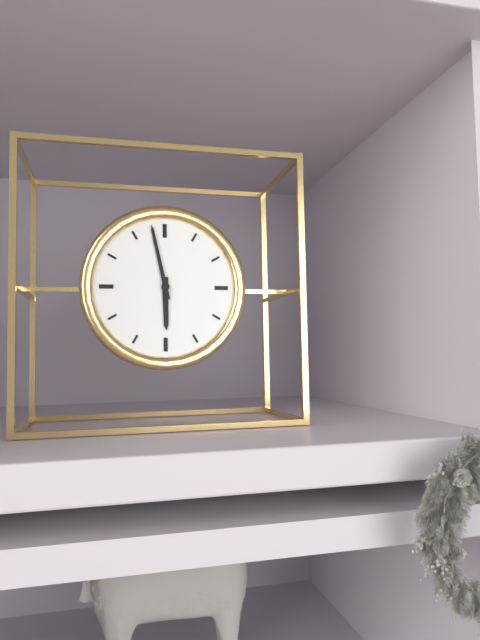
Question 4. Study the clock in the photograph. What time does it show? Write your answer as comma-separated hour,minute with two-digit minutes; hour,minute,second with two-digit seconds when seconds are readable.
5,58
